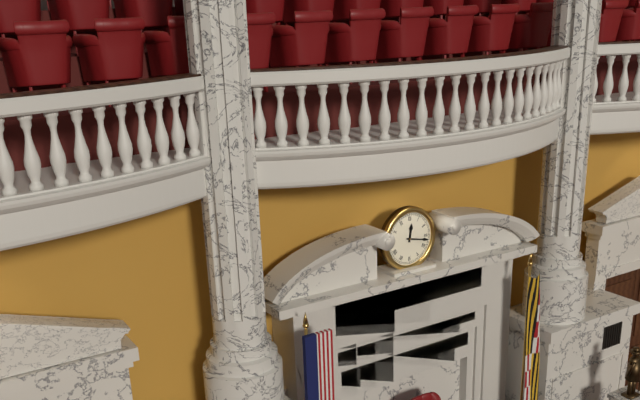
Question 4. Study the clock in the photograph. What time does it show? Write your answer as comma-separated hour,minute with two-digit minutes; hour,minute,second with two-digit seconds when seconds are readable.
12,17
